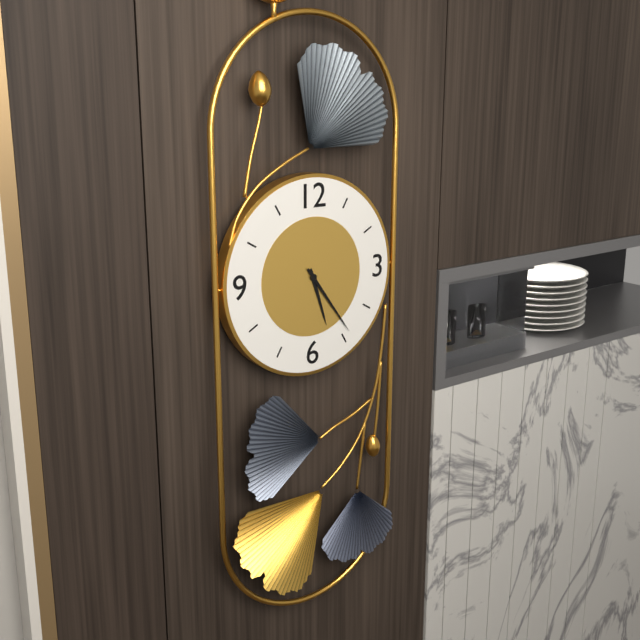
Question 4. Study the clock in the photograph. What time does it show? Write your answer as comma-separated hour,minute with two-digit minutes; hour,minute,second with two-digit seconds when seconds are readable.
5,24
